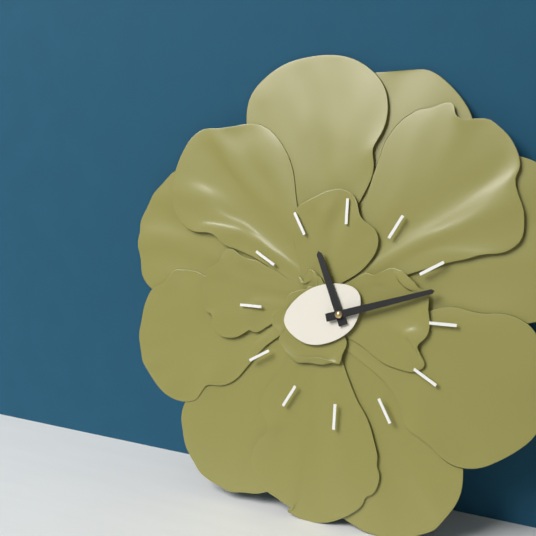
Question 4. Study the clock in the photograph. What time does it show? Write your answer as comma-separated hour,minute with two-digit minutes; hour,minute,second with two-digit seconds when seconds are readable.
11,12
